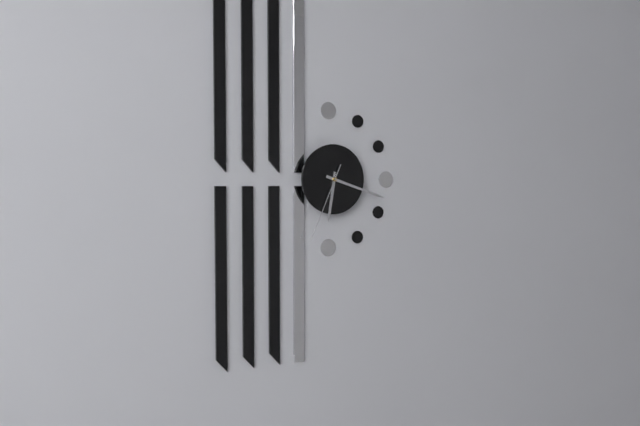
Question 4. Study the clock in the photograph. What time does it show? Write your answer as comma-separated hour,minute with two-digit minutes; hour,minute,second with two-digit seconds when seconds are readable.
6,18,34
